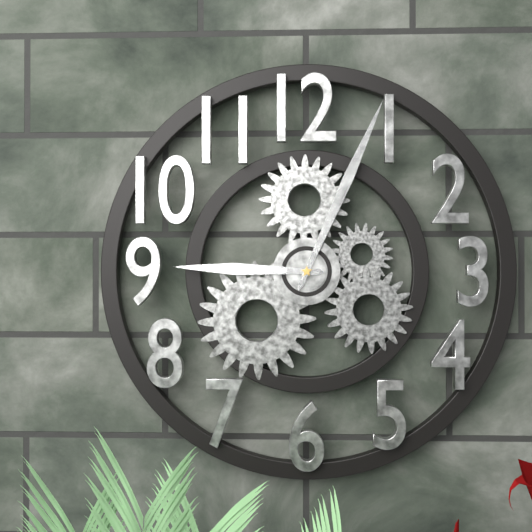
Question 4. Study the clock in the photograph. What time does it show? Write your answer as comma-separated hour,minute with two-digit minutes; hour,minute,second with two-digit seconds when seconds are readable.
9,04
